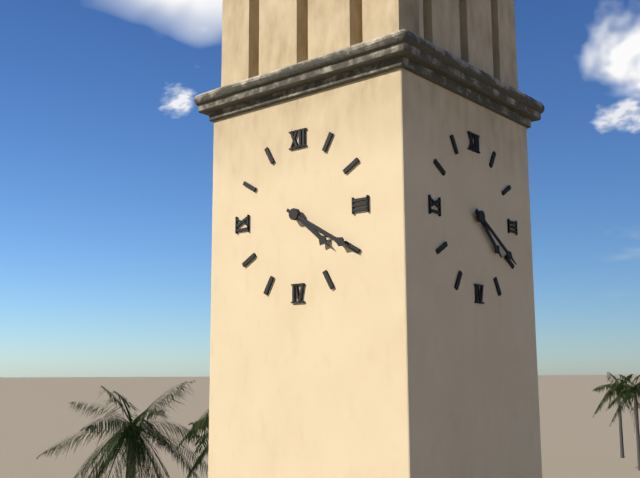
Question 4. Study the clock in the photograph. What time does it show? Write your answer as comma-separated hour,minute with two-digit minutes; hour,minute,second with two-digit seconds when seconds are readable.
4,20
